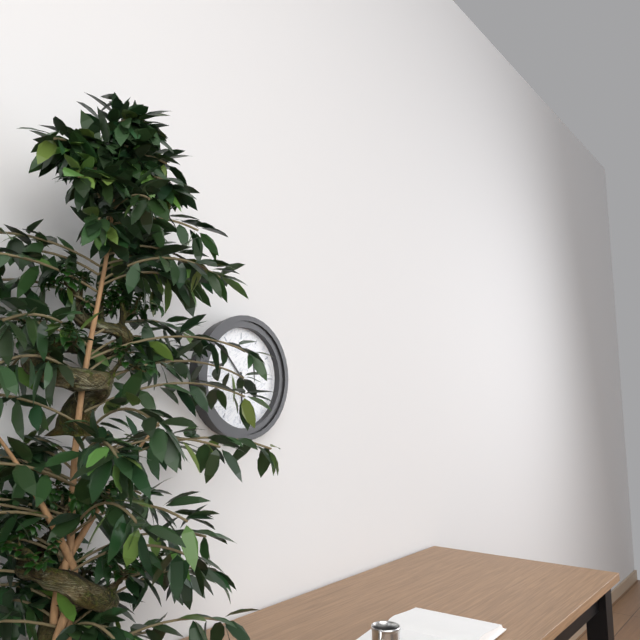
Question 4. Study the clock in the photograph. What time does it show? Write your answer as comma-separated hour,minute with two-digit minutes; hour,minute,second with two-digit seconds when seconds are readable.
5,53
